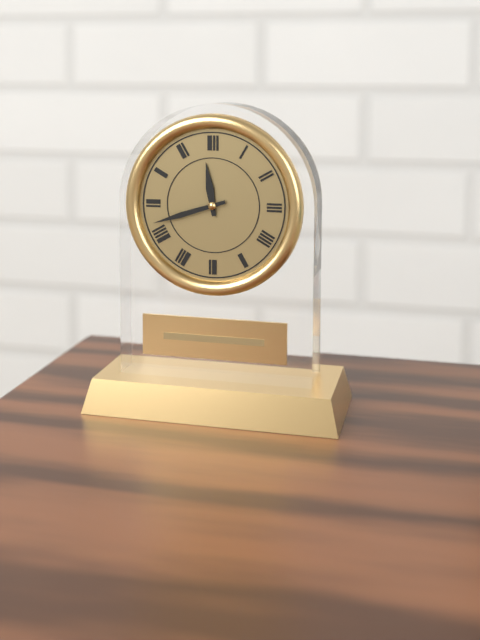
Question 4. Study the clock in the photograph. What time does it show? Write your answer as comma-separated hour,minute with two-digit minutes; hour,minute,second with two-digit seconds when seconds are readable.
11,42
